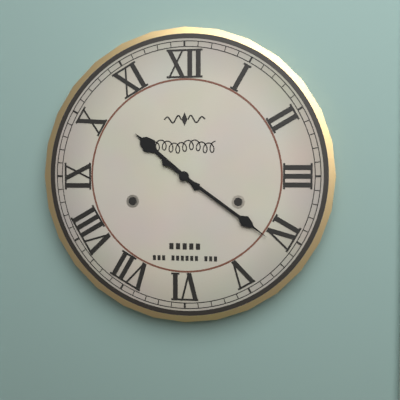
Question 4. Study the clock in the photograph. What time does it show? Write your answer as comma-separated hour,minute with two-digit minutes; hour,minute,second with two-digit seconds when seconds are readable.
10,21
